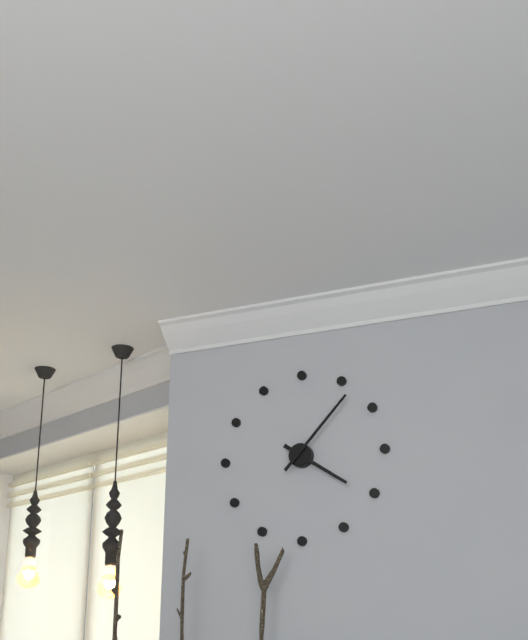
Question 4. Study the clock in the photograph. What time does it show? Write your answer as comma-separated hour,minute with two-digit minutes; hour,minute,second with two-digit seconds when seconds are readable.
4,07
